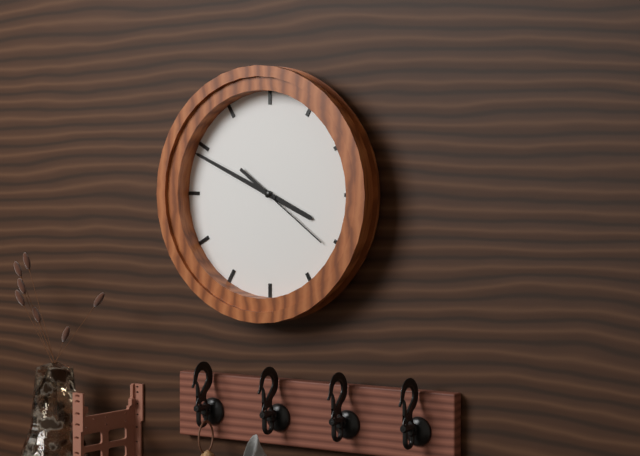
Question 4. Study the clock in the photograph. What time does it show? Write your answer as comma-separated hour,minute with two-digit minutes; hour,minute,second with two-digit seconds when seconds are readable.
3,49,21
